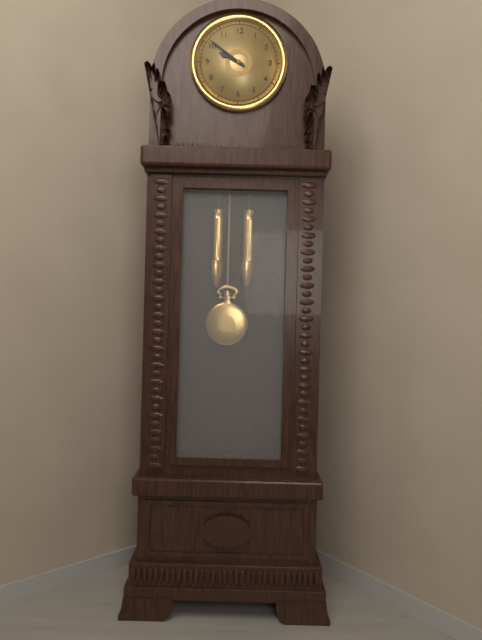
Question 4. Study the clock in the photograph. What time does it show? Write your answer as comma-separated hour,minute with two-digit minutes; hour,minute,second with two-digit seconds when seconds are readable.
9,51
